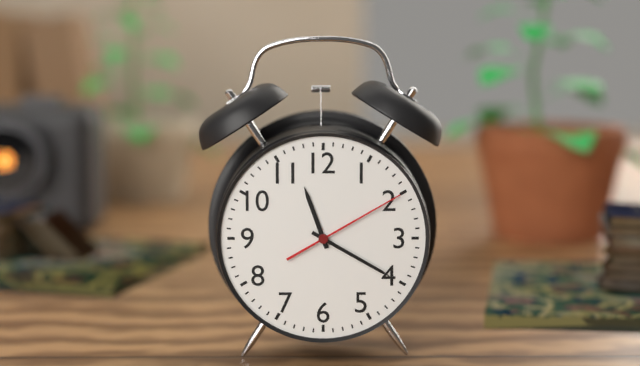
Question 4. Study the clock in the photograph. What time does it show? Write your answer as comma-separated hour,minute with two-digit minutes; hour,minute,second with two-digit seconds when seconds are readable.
11,20,10
